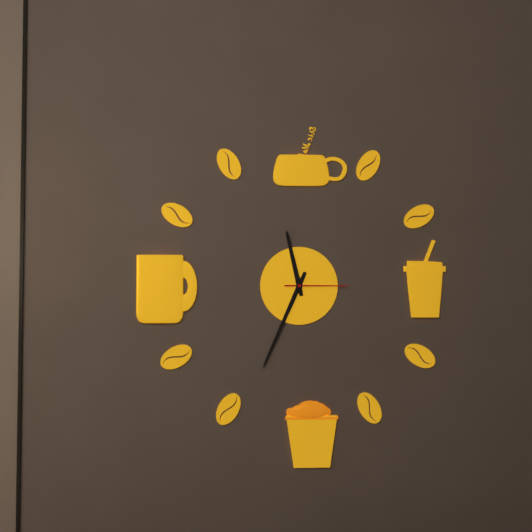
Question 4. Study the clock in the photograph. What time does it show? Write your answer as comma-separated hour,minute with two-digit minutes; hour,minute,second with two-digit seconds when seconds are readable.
11,34,15
